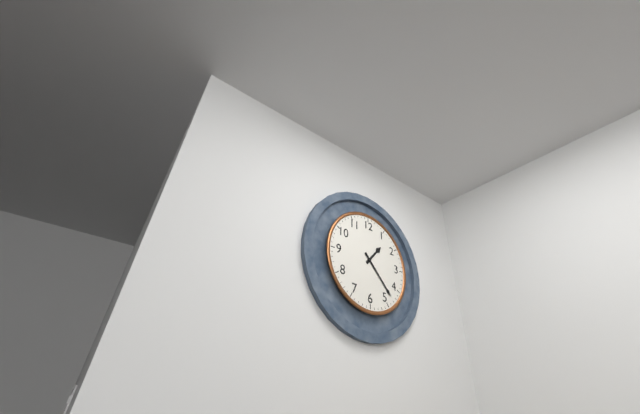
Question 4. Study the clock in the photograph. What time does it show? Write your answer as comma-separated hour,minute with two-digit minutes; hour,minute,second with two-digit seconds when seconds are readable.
1,23
